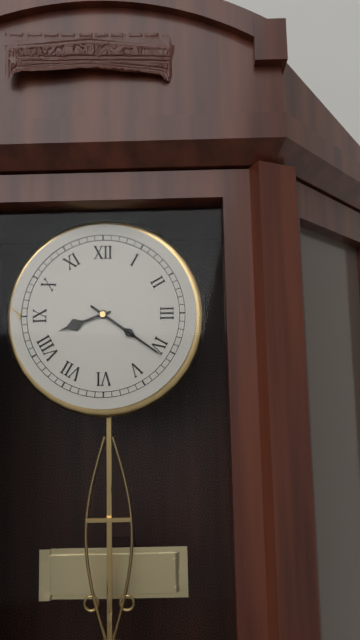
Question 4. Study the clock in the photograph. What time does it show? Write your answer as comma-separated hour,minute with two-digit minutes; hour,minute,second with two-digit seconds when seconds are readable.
8,21
